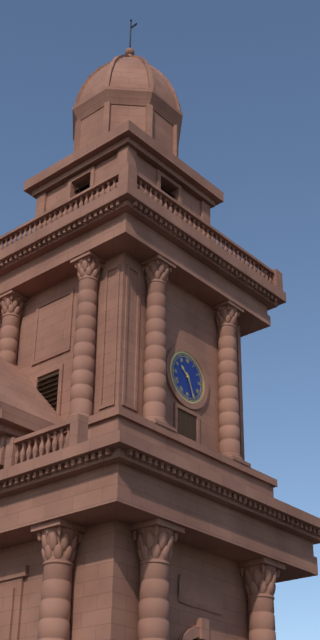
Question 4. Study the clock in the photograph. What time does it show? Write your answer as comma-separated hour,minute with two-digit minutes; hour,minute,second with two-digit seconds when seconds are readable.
10,26
